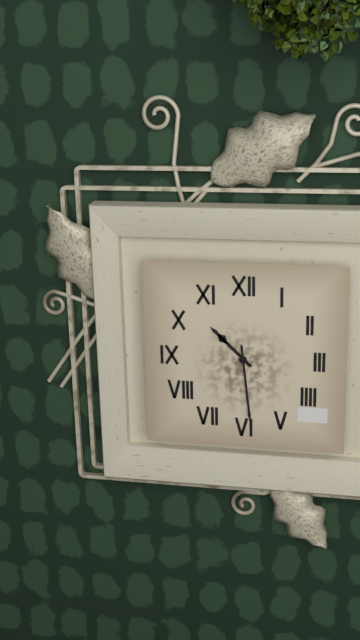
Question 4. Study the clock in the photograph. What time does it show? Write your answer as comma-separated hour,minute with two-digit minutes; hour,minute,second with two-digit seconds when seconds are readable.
10,29
